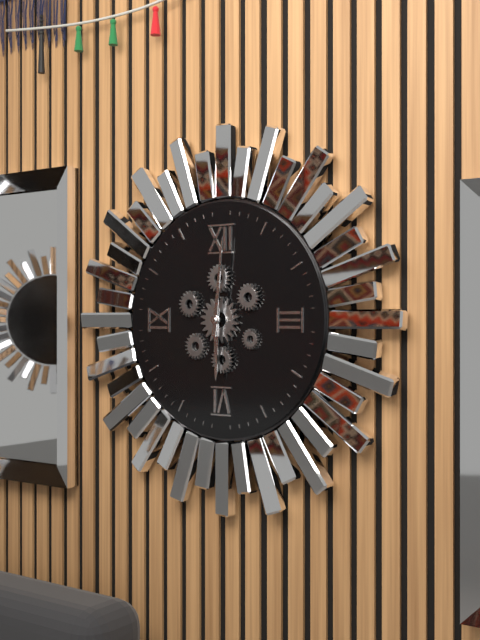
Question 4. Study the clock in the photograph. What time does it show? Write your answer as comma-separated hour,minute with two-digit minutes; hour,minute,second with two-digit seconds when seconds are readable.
6,01
